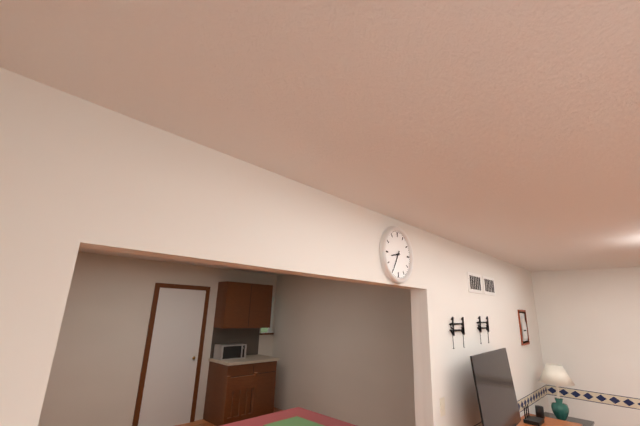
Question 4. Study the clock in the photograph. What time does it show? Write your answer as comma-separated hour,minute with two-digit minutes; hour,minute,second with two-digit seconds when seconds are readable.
8,35
